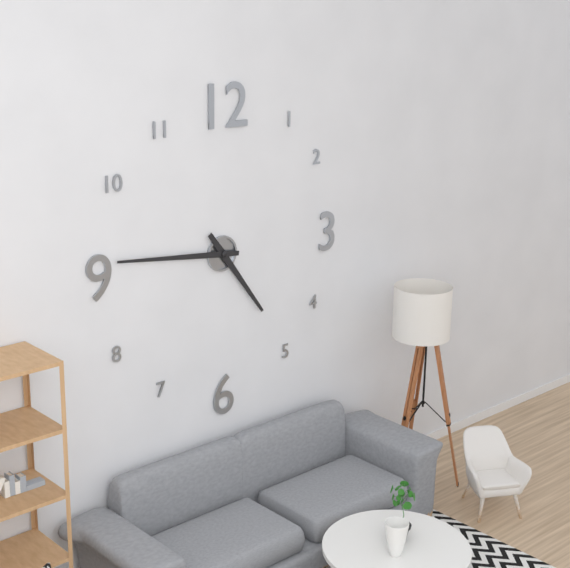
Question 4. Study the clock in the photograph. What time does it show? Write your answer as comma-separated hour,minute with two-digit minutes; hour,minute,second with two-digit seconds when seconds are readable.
4,46
